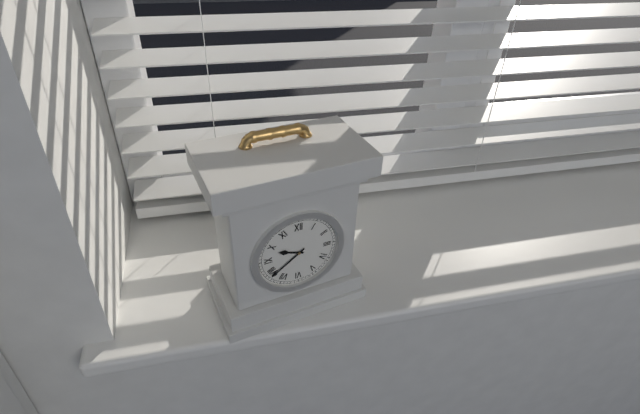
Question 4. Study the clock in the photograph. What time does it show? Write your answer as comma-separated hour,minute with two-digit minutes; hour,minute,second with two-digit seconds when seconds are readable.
9,39
